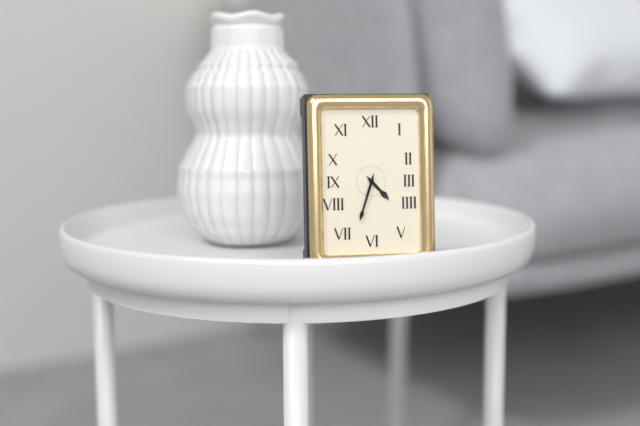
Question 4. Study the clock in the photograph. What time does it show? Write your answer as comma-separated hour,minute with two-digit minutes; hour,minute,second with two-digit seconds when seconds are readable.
4,33
